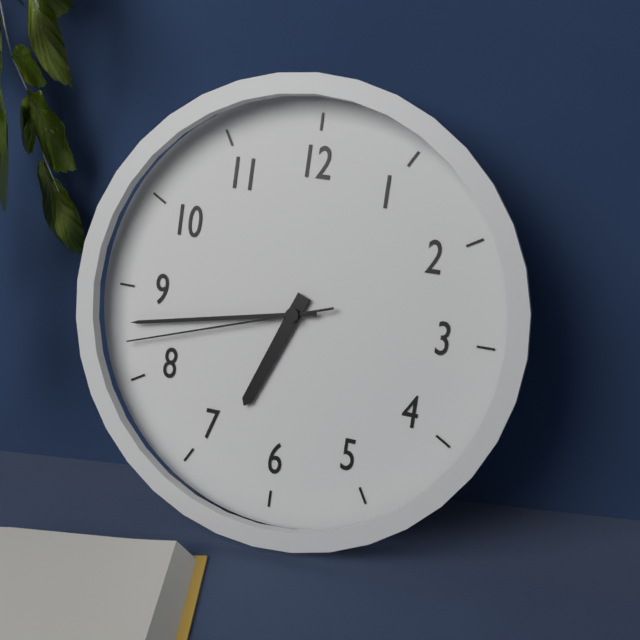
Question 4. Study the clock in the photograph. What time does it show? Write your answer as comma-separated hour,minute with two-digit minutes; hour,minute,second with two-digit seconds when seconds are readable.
6,43,42
